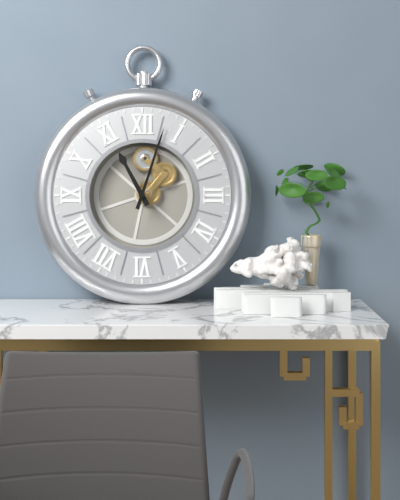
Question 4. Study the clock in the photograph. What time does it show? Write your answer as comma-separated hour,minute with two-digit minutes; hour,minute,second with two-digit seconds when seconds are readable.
11,03
